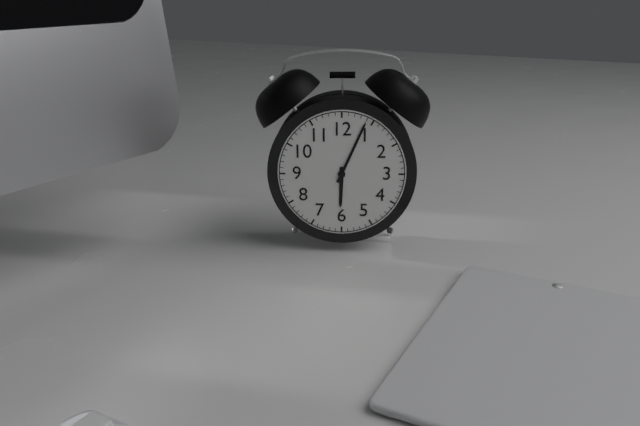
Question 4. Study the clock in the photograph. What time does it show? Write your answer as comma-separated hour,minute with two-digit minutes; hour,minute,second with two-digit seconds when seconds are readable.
6,04
